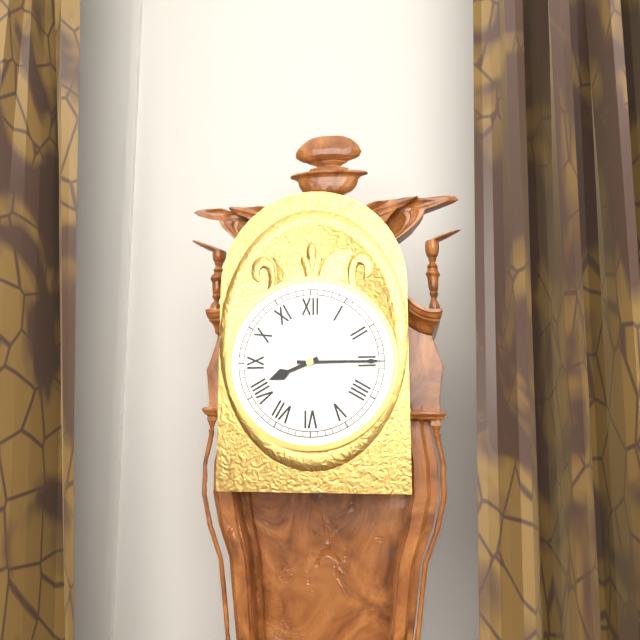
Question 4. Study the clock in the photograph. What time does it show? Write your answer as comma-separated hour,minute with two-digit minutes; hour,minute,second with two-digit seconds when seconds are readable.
8,15
